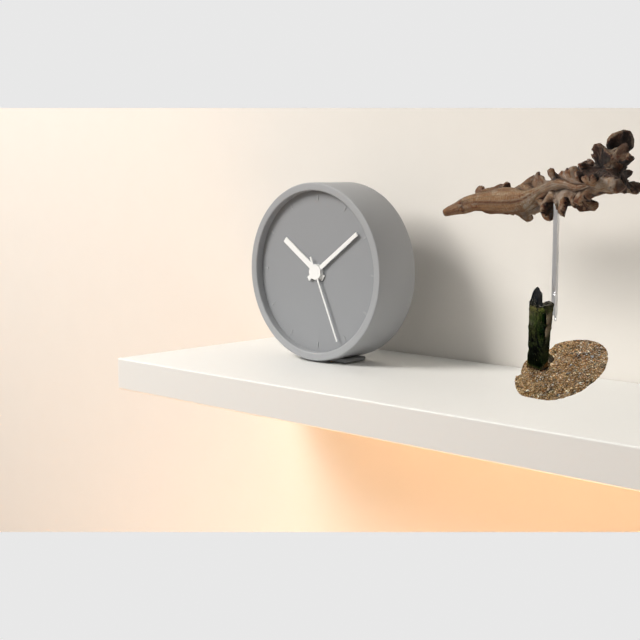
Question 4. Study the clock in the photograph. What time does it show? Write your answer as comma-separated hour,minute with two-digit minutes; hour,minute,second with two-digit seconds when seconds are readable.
10,09,26
